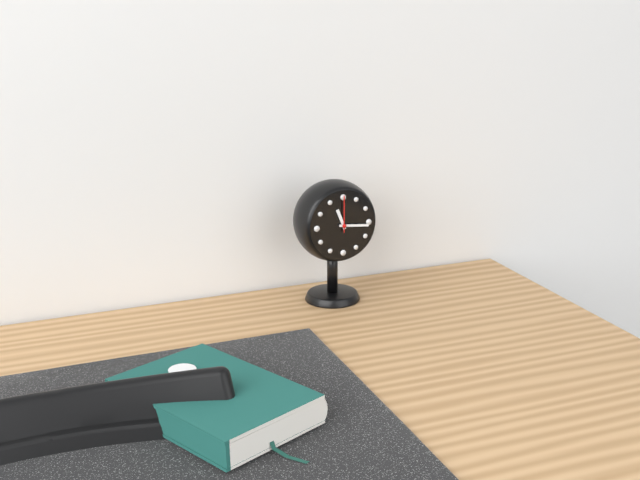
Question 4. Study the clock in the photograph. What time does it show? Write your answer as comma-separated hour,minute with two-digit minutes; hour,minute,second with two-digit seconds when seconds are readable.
11,16
